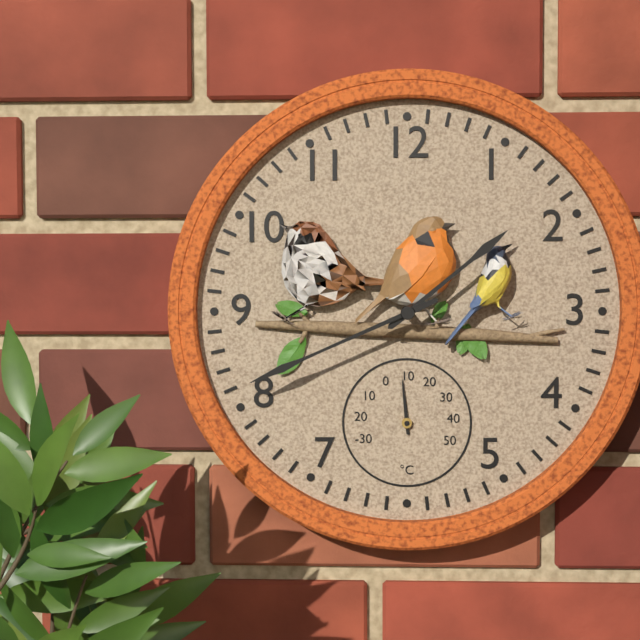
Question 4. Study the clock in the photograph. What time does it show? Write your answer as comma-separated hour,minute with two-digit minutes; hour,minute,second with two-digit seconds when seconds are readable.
1,41
